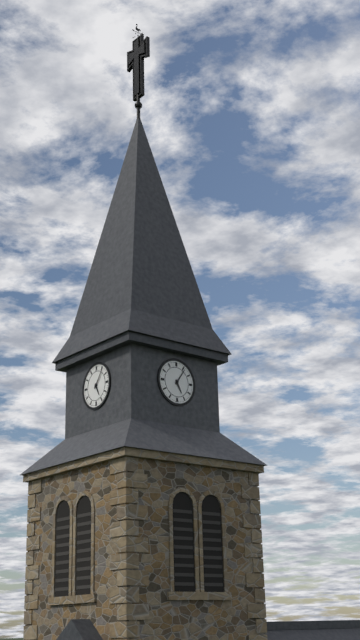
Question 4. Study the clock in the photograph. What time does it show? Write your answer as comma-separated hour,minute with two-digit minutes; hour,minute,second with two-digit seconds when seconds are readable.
5,06
